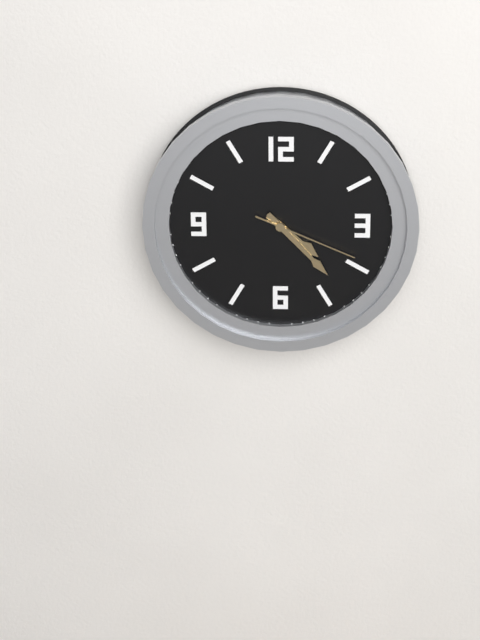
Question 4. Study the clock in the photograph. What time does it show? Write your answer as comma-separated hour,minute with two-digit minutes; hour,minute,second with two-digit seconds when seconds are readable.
4,23,19
